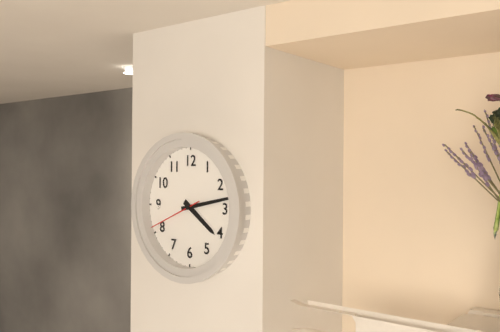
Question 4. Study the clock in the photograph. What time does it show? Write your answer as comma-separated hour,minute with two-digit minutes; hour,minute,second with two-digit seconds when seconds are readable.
4,13,41
